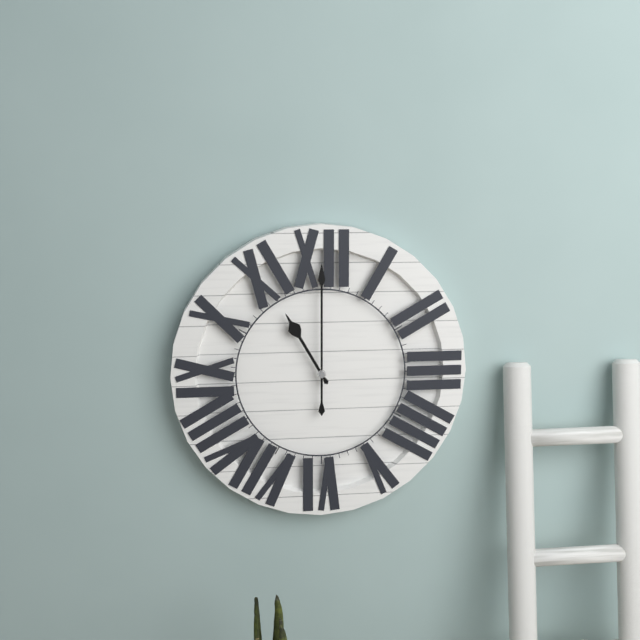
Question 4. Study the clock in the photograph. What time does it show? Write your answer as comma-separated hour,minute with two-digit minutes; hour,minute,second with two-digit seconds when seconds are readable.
11,00
